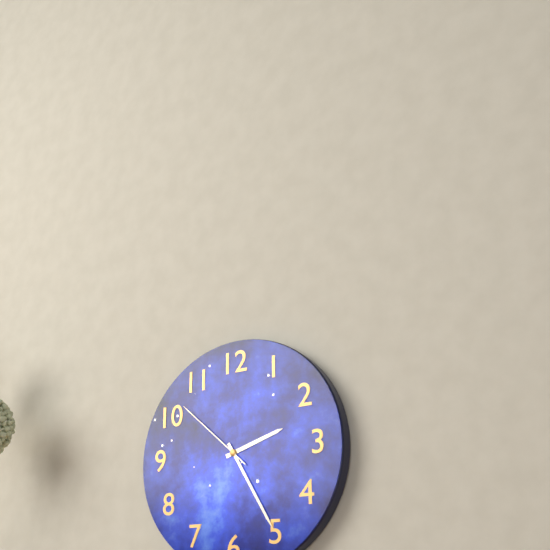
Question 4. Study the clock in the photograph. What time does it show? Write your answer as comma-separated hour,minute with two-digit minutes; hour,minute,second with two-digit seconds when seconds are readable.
2,25,52
